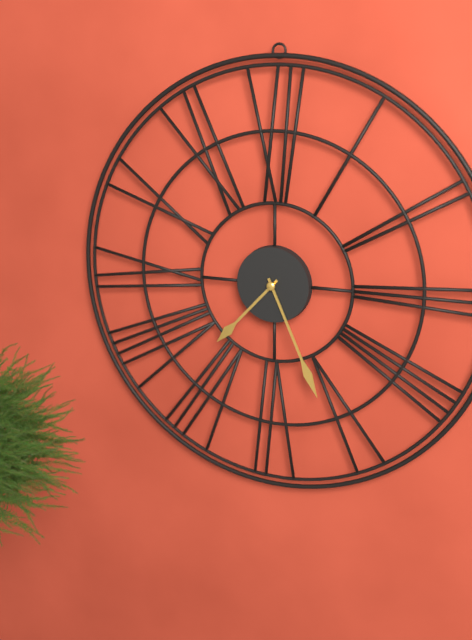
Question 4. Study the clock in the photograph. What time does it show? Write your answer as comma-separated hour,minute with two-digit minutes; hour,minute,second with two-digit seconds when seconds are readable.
7,26
